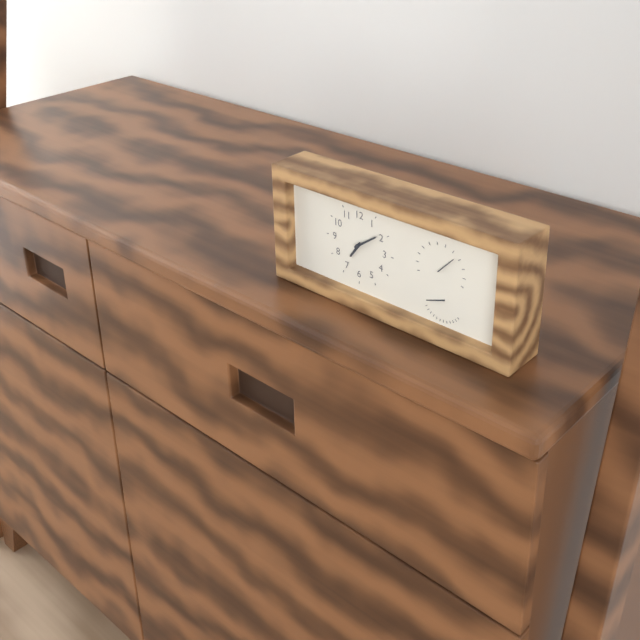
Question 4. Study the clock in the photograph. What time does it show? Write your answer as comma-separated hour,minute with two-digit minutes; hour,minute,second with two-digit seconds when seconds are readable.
7,09
